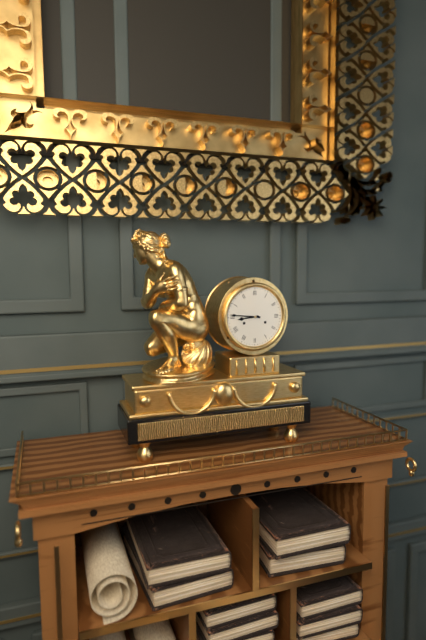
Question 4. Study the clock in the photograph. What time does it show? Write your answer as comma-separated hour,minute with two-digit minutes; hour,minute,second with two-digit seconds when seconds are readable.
8,46
